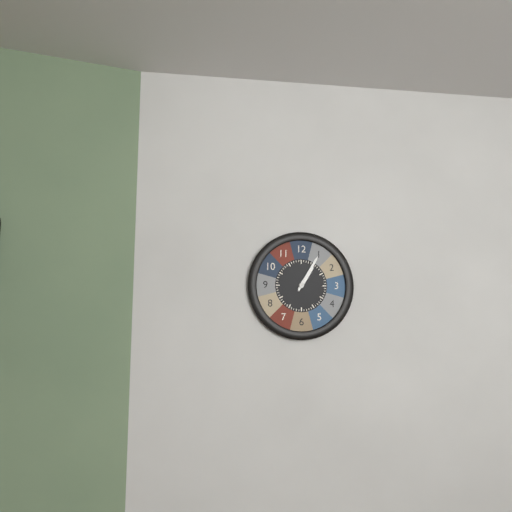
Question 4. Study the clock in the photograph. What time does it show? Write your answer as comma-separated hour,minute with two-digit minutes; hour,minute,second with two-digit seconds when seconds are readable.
1,05
